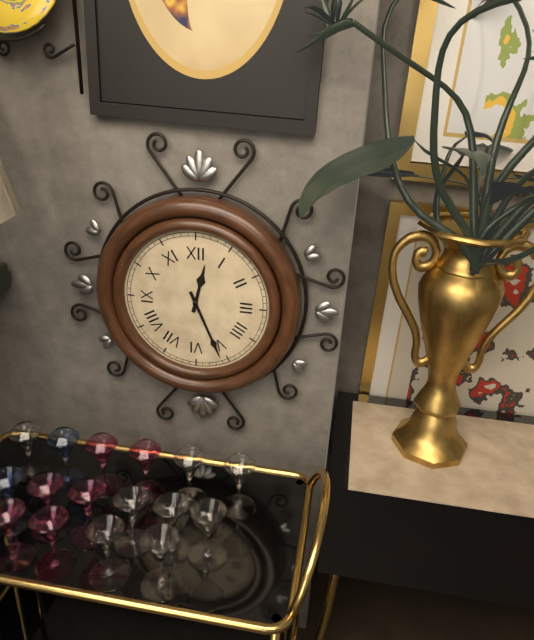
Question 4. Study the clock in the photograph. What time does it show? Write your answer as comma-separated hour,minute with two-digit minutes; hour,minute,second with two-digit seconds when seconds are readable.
12,26
